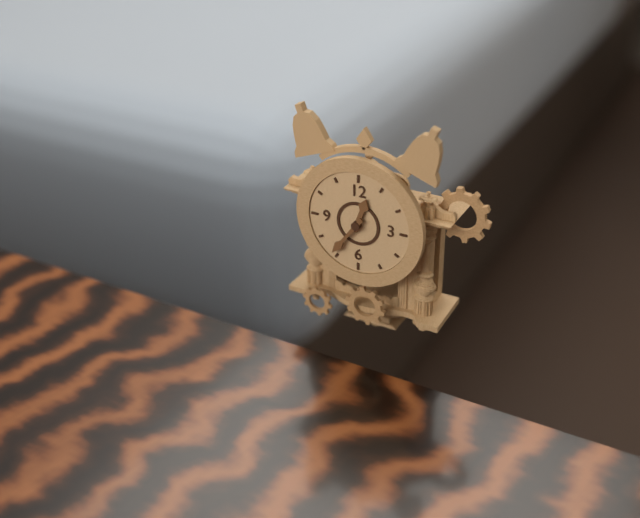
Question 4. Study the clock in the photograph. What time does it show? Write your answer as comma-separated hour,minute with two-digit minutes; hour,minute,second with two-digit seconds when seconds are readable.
12,36
